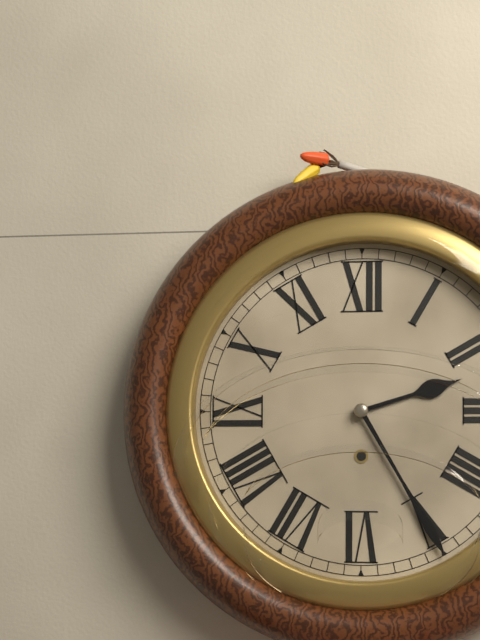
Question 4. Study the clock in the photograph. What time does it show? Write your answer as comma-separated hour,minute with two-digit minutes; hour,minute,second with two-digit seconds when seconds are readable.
2,25
